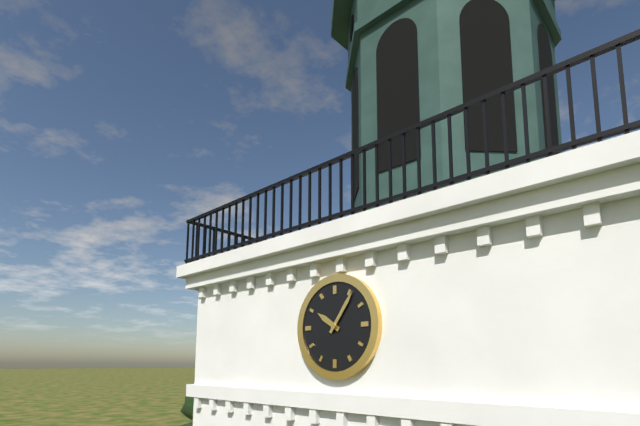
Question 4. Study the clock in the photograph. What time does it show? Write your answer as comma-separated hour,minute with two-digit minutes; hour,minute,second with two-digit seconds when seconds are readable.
10,06
